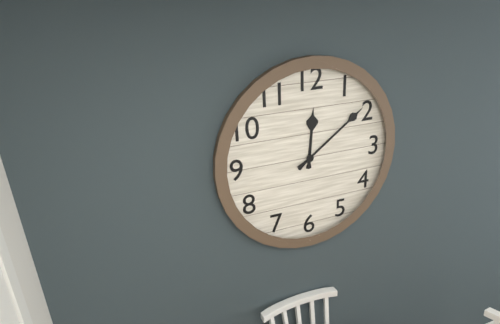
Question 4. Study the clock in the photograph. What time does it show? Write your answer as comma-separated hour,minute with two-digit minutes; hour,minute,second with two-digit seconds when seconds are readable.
12,09
